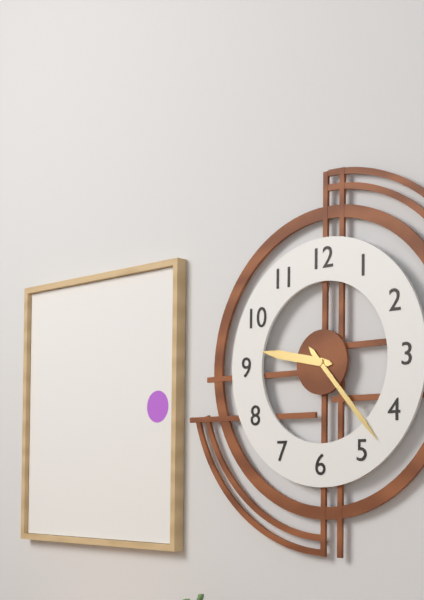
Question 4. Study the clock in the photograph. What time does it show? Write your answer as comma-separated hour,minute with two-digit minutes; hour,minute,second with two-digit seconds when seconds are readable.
9,23
